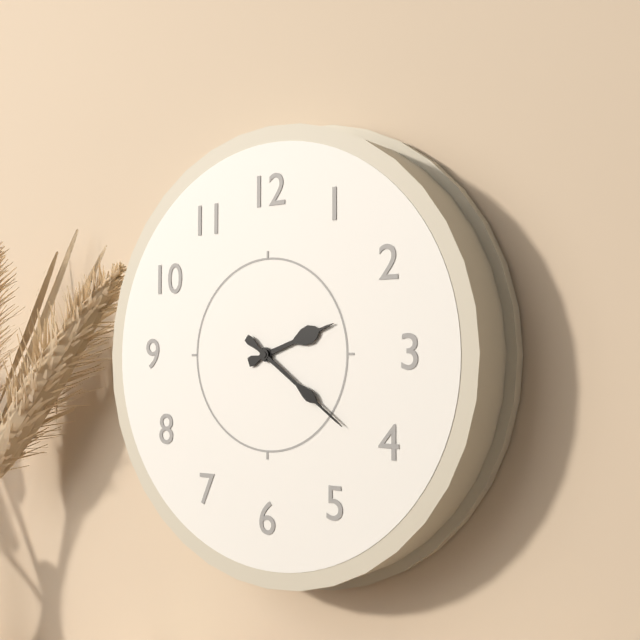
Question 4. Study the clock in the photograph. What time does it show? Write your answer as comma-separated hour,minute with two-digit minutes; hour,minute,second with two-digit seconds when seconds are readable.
2,21
